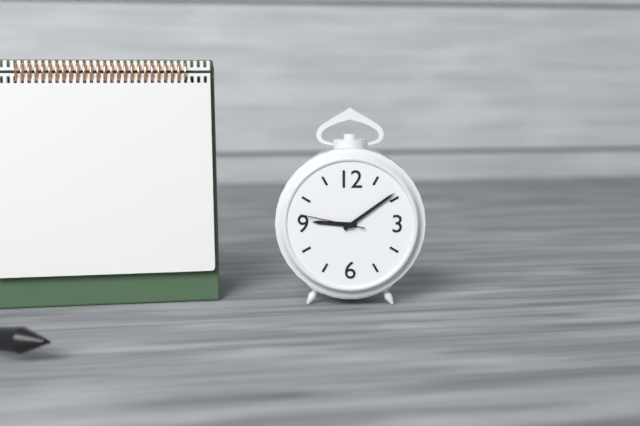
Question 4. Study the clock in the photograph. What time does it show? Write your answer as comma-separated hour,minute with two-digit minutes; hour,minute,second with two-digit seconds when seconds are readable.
9,09,47
